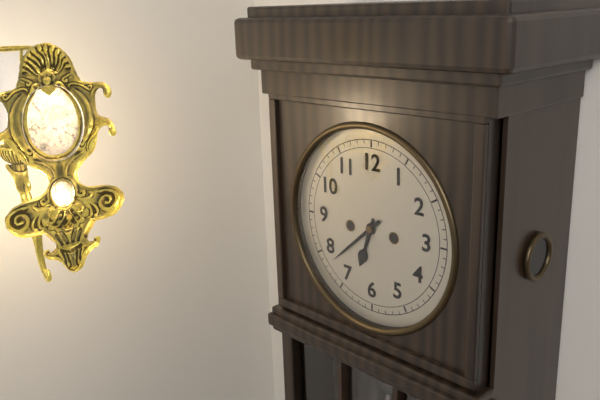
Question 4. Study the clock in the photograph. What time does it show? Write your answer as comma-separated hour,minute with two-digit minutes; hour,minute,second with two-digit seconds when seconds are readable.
6,38
